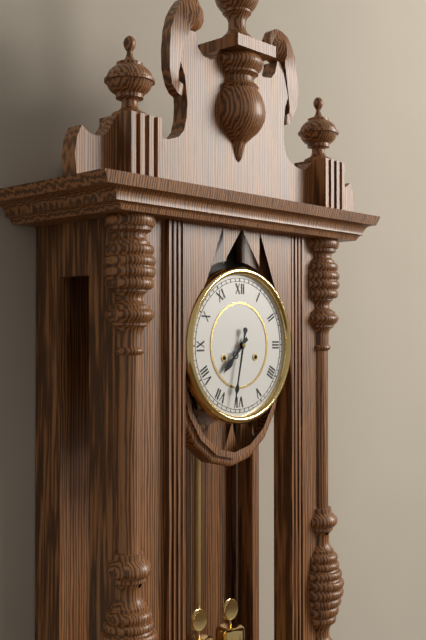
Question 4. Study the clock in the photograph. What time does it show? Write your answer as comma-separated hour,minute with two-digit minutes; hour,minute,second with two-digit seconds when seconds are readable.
7,32
